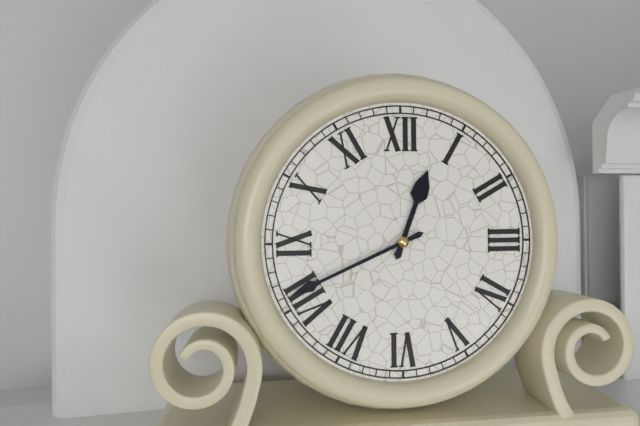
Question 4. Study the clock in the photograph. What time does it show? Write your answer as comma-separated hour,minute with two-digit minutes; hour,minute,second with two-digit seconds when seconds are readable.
12,41
